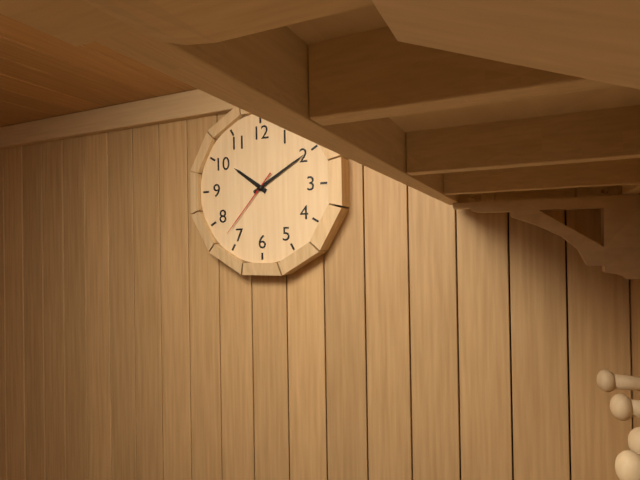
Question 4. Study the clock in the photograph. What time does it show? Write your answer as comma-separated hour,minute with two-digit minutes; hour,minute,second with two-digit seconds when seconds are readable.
10,10,37
